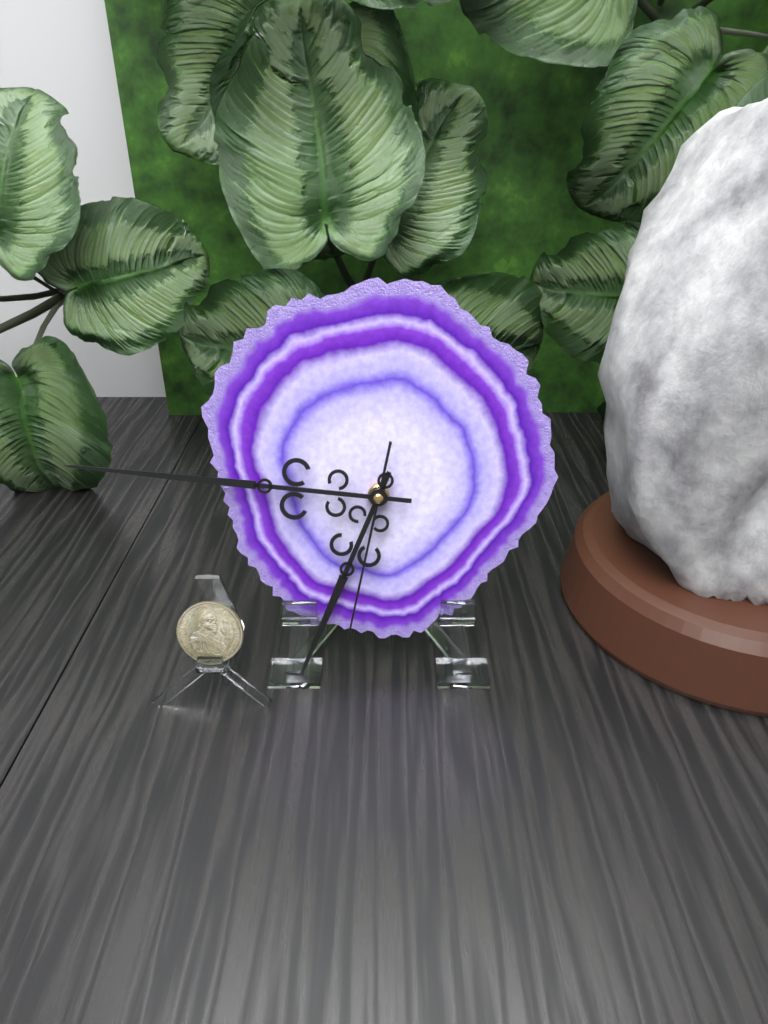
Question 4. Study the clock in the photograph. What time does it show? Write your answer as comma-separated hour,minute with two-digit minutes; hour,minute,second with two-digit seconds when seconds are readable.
6,46,32
